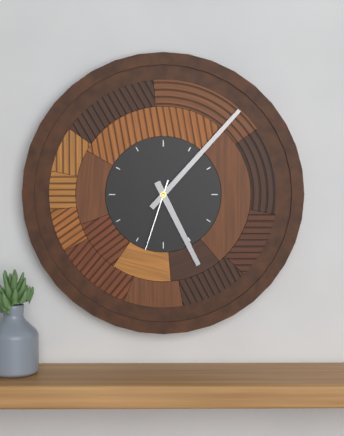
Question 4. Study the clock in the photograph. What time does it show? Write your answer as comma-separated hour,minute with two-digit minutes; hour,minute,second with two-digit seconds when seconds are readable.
5,07,33
